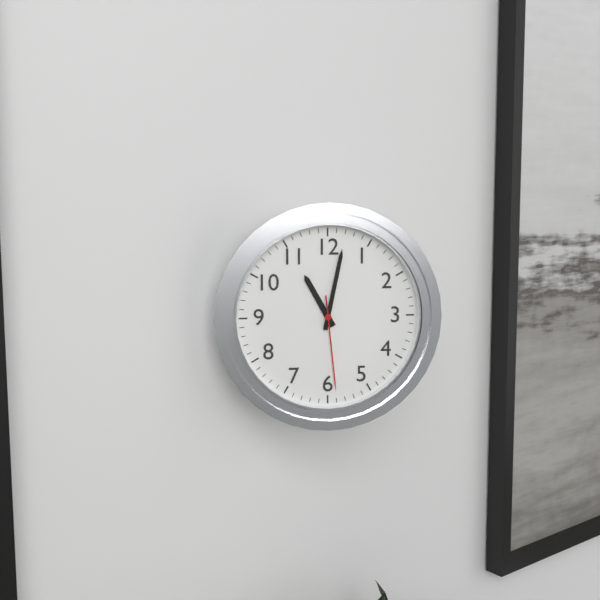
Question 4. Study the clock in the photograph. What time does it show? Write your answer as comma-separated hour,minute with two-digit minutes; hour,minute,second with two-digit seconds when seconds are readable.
11,02,29
